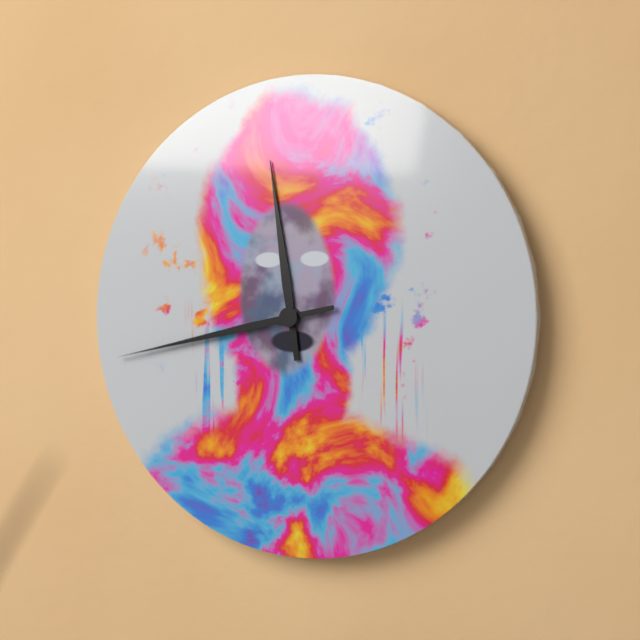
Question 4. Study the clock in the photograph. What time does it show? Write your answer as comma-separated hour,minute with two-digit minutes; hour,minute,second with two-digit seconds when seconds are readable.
11,43
